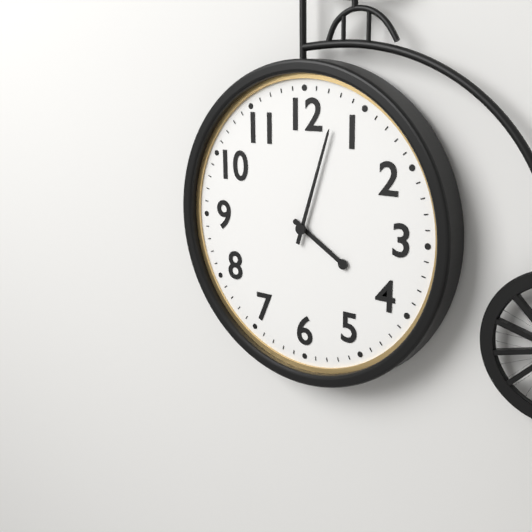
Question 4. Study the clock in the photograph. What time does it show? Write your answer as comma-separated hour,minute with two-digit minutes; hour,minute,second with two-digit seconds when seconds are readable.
4,03
